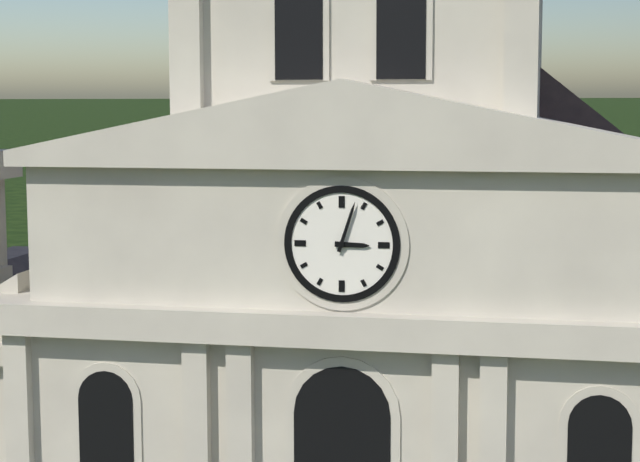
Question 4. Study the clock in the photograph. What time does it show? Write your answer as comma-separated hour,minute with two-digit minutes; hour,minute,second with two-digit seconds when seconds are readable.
3,03
